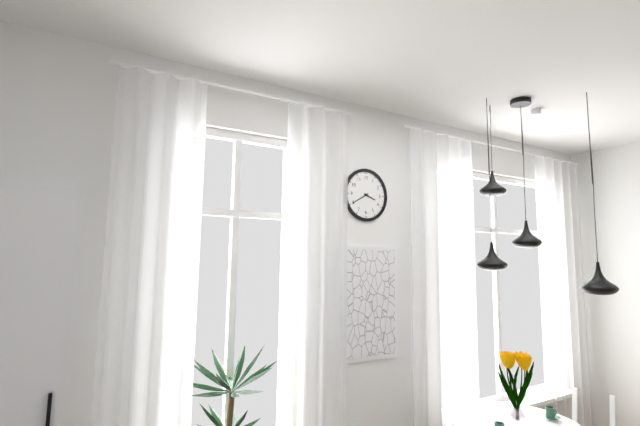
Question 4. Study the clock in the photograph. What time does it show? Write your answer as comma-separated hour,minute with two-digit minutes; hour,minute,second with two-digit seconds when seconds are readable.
3,40
